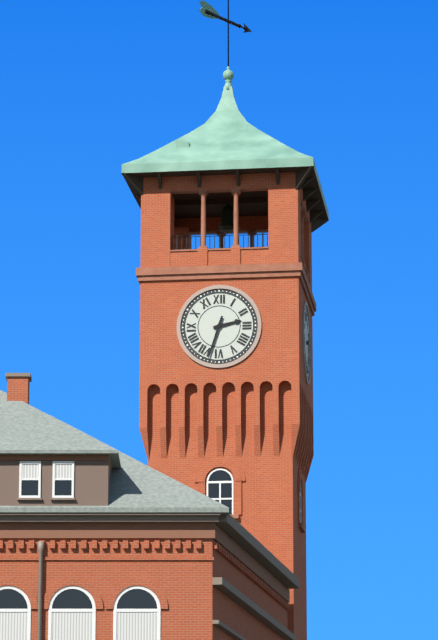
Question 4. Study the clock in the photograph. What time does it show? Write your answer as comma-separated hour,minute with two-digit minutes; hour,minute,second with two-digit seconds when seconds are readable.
2,33
